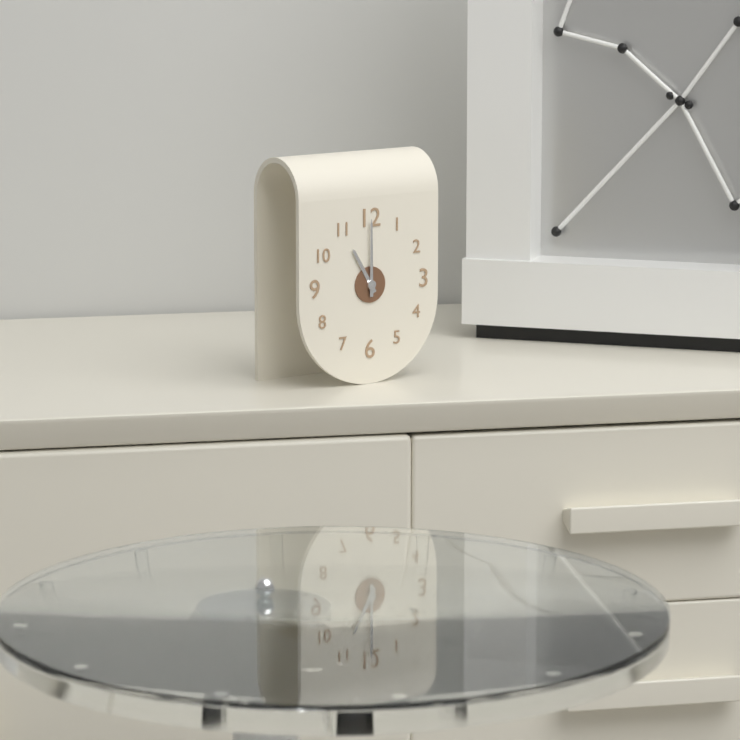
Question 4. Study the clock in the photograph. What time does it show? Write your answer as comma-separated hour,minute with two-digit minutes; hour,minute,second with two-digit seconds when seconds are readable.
11,00
